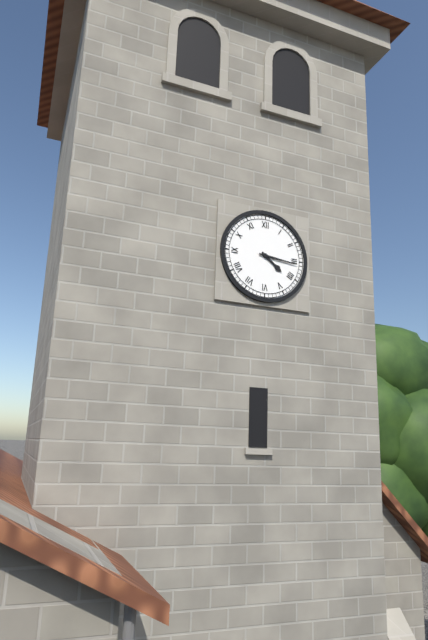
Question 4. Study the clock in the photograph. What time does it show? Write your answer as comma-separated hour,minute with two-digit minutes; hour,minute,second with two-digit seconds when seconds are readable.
4,16
